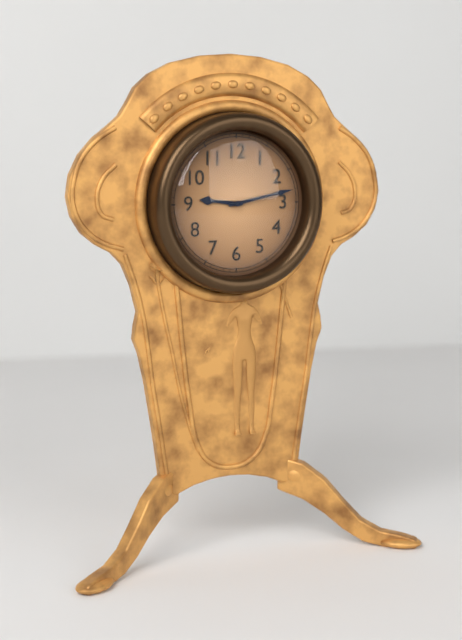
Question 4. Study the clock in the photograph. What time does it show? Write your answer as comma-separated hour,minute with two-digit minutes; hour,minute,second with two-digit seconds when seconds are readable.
9,13
